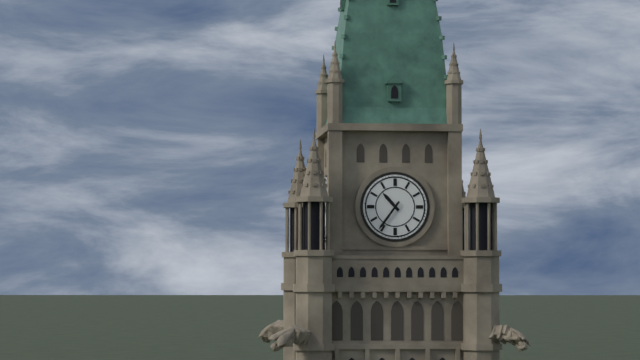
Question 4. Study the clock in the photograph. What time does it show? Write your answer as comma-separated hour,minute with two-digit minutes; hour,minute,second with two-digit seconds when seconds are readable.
10,36
